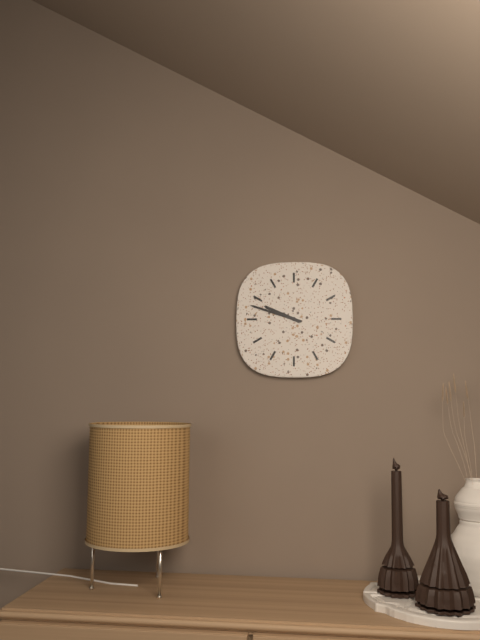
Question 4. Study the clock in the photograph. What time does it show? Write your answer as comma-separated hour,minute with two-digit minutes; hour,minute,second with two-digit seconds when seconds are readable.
9,48
